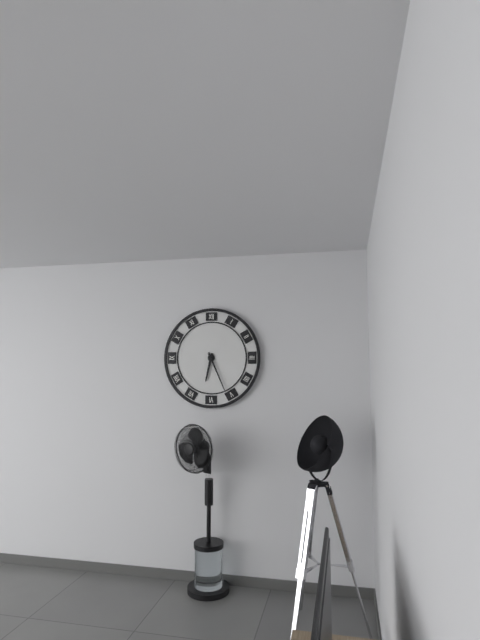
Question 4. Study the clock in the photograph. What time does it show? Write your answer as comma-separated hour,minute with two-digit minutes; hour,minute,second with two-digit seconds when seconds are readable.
6,26
